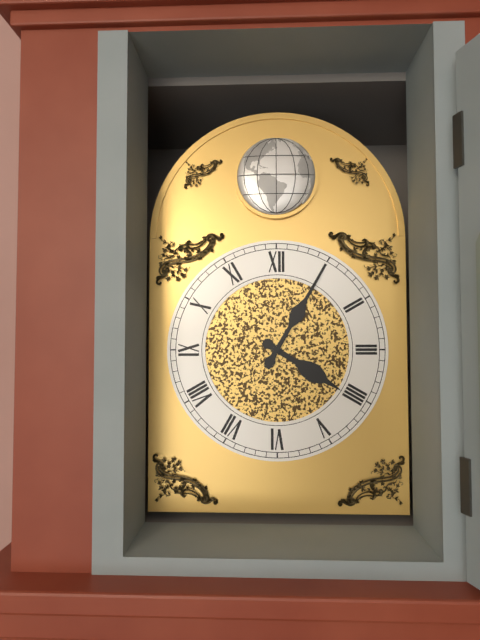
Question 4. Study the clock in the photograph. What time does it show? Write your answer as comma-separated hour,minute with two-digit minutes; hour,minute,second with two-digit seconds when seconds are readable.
4,05
